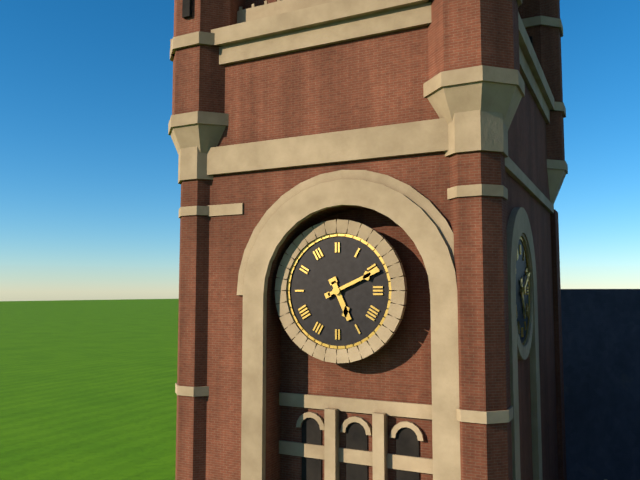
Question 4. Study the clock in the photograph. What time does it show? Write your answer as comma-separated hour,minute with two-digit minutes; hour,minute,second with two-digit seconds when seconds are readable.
5,11
